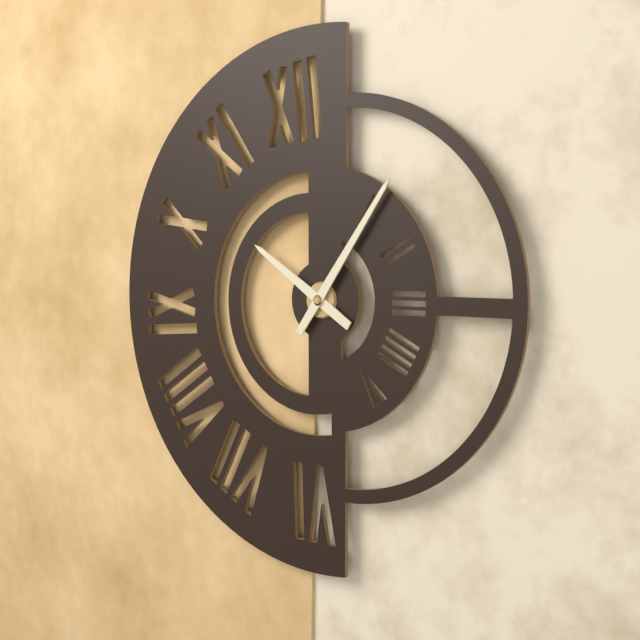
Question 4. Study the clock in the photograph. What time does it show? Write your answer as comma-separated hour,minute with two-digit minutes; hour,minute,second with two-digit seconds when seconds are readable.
10,06
